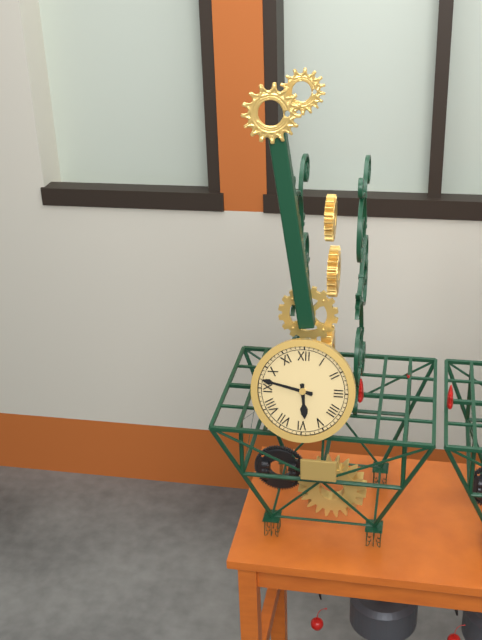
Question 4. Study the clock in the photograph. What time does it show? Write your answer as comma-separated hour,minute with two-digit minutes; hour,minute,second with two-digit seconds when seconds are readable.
5,47
